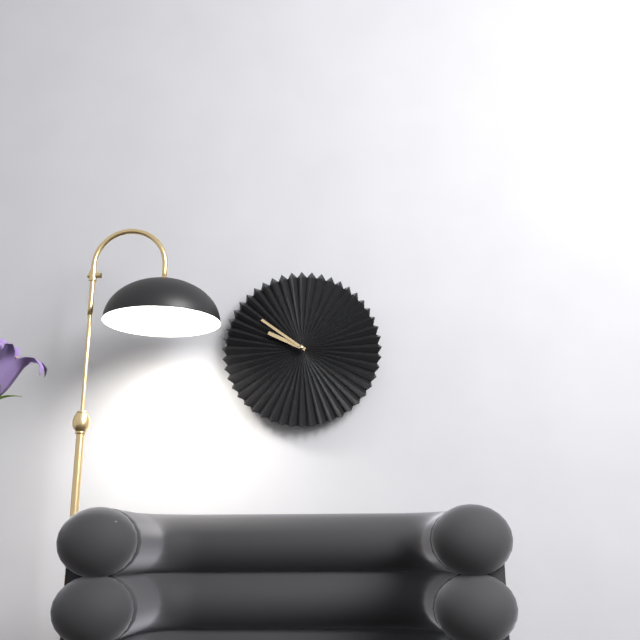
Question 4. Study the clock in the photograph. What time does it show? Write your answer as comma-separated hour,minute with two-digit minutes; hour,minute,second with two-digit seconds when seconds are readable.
9,51
